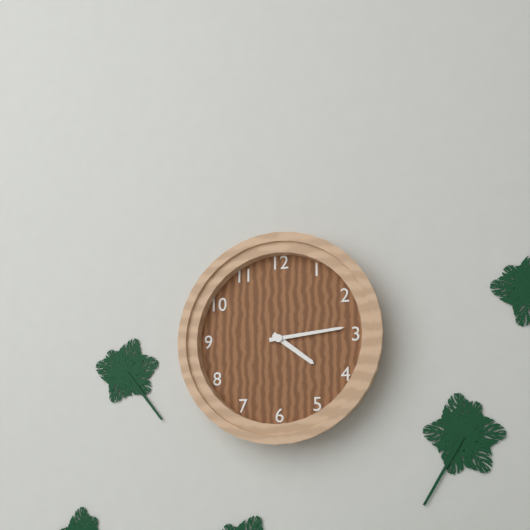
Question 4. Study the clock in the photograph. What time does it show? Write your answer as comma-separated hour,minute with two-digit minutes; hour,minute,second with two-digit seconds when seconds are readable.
4,14
